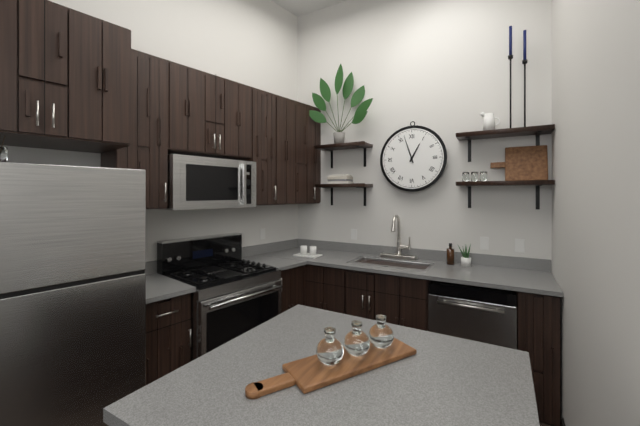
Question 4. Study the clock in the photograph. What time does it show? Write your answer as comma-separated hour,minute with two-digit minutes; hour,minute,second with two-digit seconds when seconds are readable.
12,57
